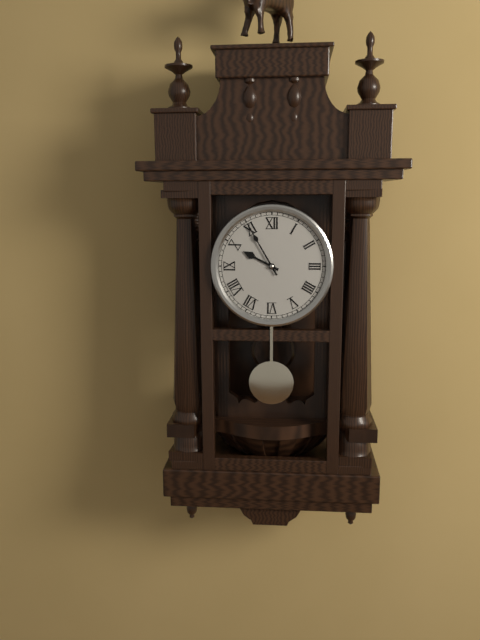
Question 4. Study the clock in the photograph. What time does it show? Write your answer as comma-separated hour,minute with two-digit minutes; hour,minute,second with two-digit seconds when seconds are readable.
9,55
